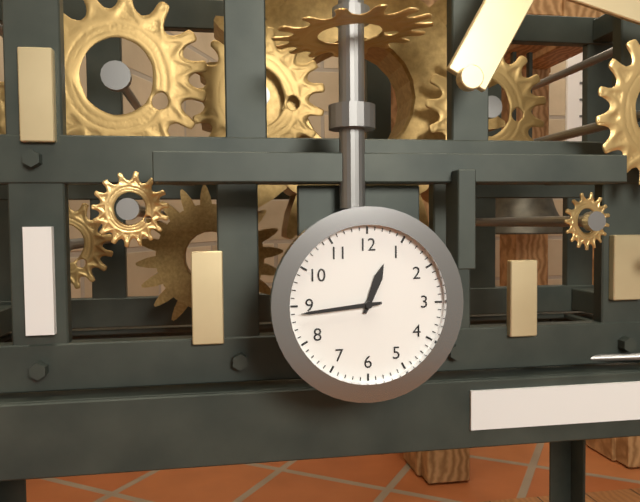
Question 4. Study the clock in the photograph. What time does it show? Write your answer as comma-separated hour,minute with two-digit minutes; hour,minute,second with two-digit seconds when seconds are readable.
12,44
